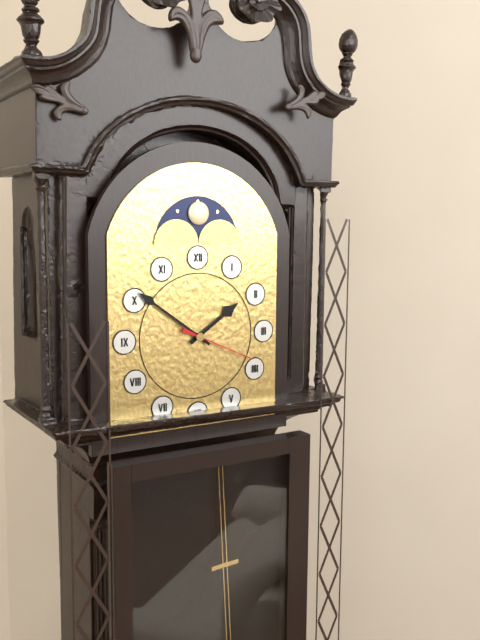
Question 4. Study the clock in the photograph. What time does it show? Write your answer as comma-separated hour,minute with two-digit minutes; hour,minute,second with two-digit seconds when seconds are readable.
1,51,19
